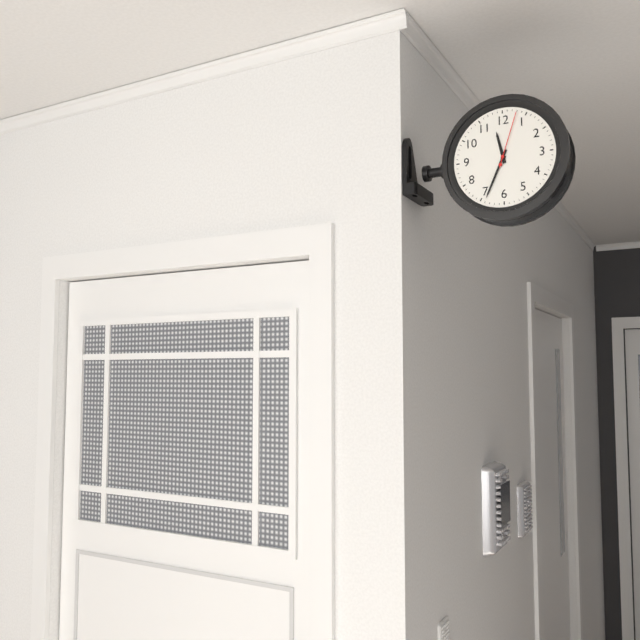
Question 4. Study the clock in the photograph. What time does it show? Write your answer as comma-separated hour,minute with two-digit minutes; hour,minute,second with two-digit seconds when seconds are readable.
11,34,03
